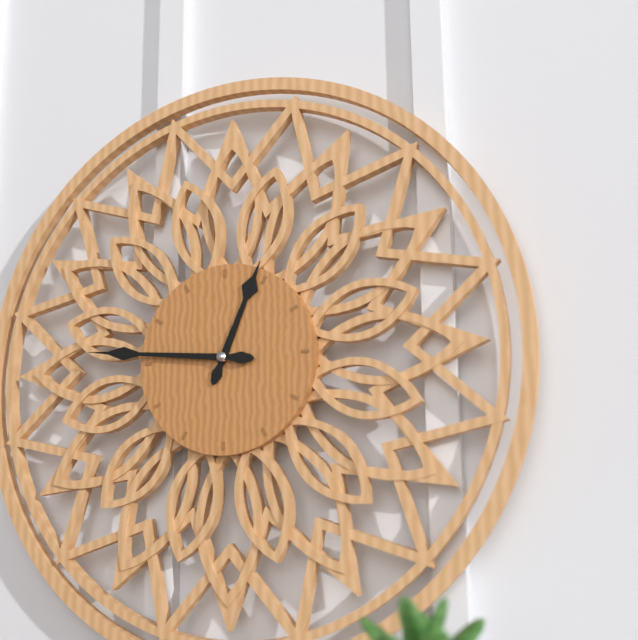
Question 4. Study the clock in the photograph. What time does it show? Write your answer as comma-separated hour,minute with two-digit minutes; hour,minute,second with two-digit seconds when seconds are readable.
12,46
